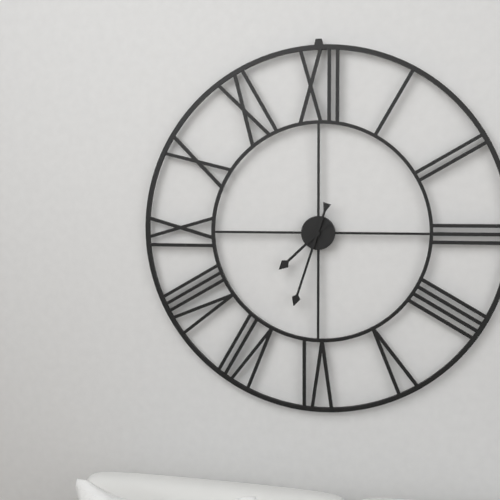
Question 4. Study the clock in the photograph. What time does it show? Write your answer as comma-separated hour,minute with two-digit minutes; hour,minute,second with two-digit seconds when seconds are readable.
7,33
